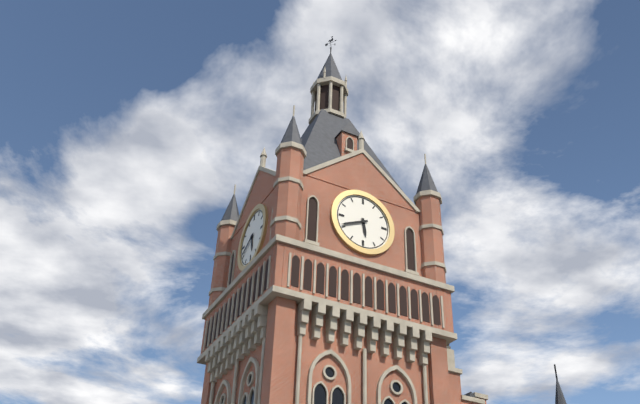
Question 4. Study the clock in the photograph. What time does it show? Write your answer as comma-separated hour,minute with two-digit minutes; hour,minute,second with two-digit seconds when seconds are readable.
5,41
